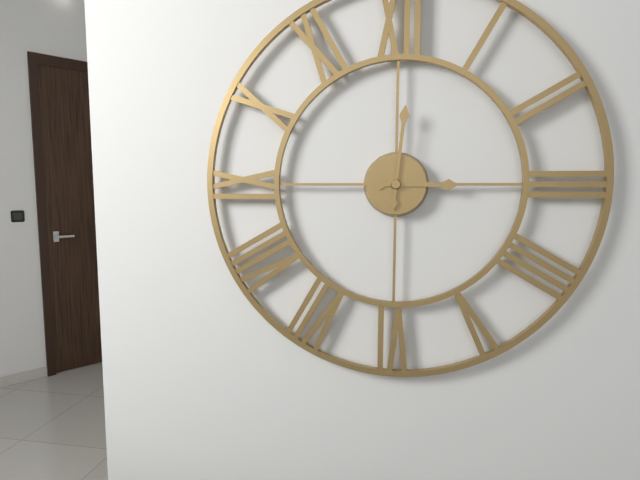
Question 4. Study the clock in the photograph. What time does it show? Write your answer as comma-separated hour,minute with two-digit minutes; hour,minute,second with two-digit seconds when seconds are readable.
3,01
